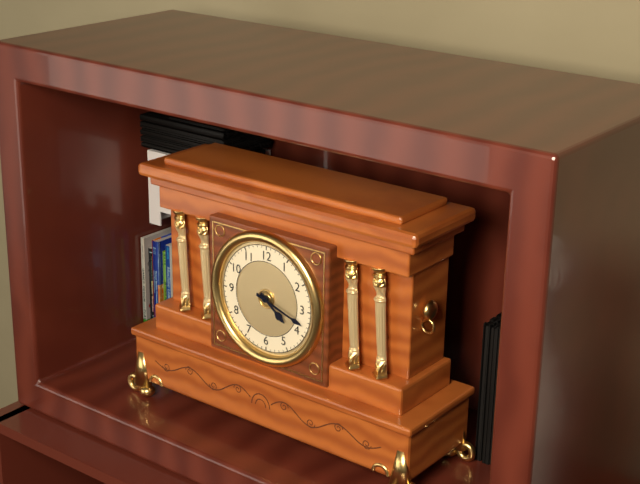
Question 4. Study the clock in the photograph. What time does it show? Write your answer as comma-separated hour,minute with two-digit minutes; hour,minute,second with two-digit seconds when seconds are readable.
4,18
